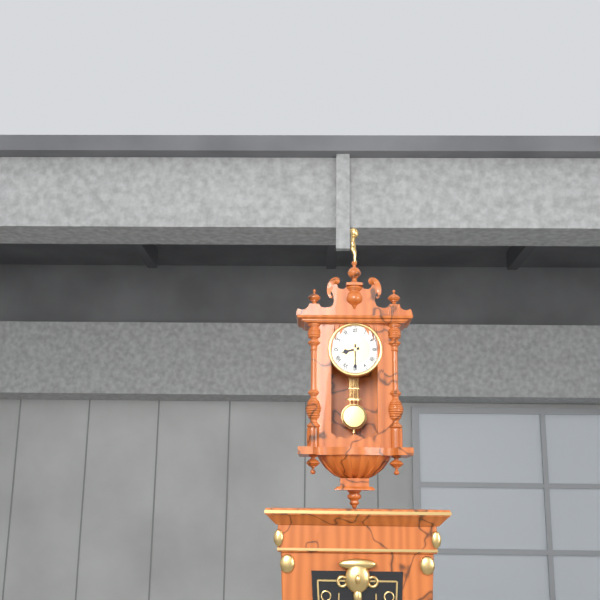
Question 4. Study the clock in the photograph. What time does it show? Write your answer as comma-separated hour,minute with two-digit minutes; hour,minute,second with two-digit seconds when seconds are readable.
8,30
